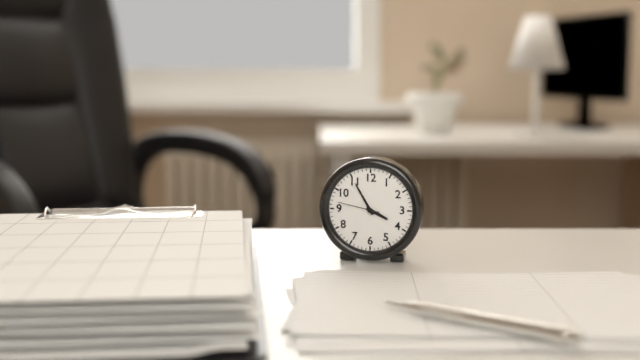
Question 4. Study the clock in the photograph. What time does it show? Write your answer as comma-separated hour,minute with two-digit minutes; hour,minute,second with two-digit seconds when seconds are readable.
3,55
